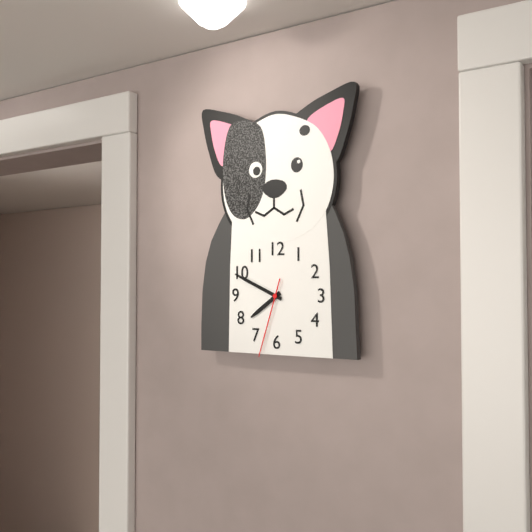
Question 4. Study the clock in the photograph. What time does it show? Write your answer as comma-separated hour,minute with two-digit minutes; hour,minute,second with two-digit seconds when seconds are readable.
7,49,33
